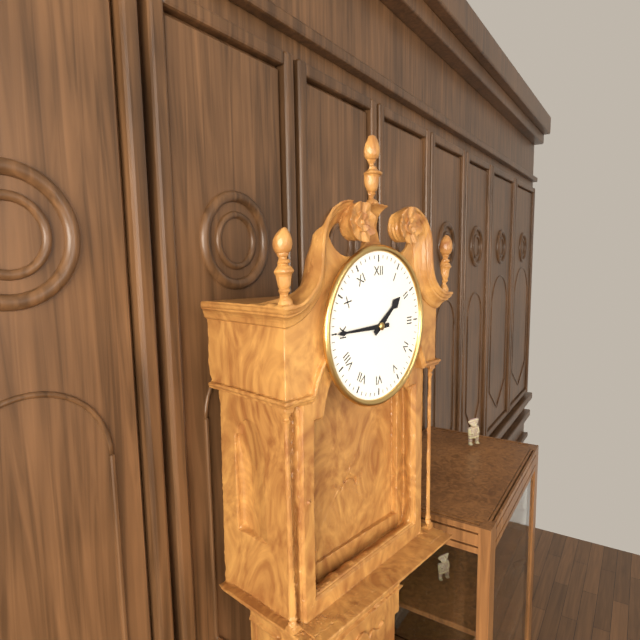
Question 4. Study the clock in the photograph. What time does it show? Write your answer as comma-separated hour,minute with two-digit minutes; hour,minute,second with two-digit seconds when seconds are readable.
1,45
